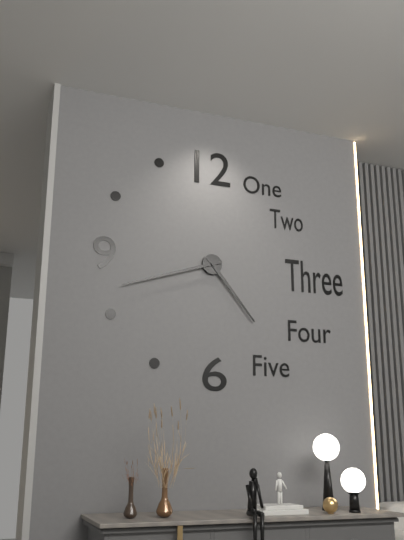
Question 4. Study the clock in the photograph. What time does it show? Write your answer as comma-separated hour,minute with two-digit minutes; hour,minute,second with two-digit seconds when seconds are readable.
4,42
